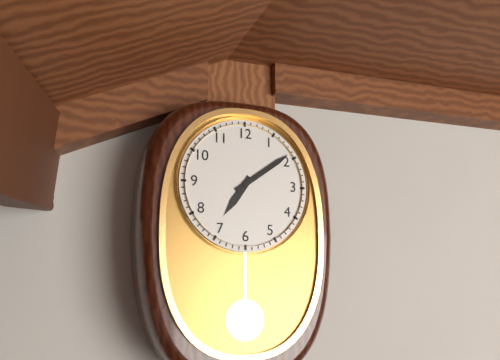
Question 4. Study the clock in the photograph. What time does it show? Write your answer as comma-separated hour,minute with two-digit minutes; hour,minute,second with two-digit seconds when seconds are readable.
7,09
